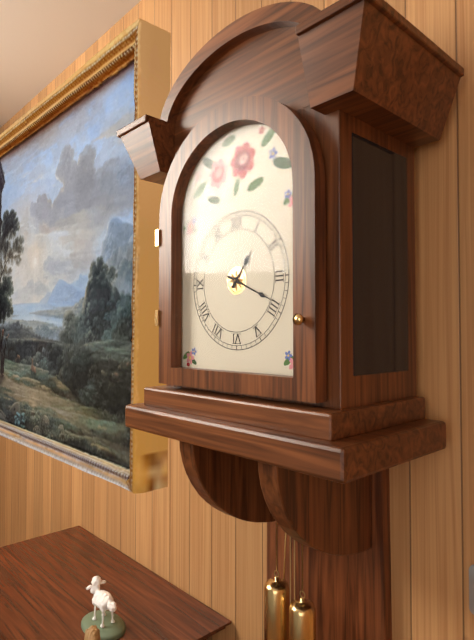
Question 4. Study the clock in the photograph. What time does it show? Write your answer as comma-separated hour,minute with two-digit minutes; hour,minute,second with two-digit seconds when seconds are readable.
1,19
